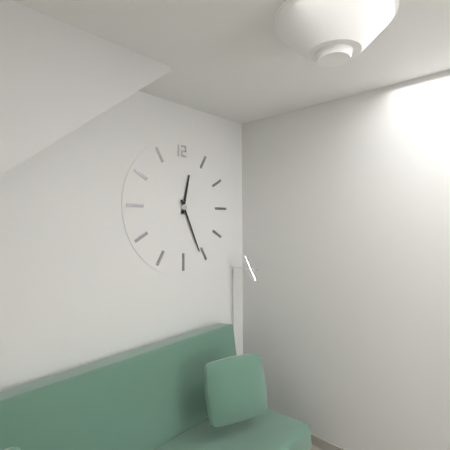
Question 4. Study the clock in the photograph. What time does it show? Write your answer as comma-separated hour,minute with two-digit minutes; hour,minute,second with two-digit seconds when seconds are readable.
12,26
